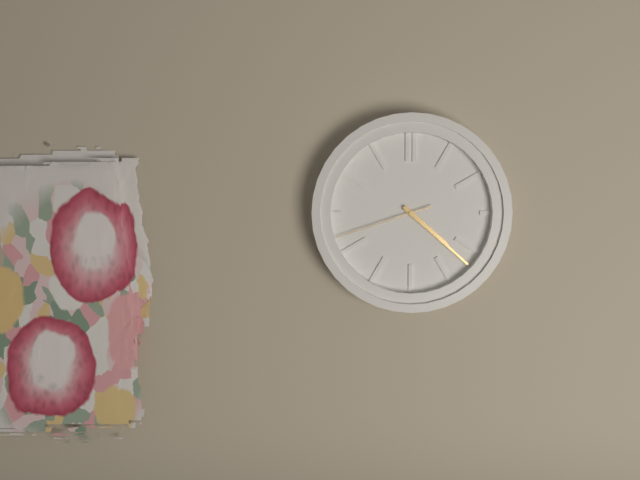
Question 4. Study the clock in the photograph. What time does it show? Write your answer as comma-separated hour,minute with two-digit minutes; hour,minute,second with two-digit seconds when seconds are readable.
4,22,42
